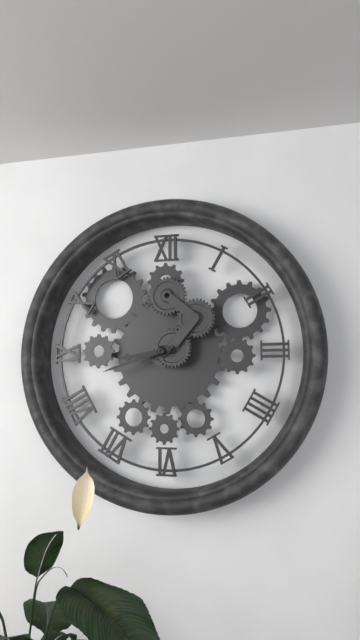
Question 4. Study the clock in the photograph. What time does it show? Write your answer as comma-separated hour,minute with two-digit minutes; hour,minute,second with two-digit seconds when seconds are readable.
8,42
